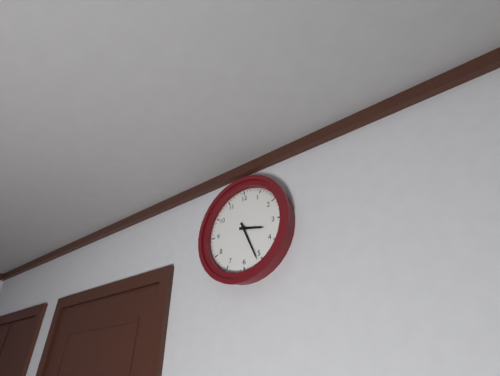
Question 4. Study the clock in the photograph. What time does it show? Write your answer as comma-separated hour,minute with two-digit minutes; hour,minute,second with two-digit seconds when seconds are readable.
3,26
